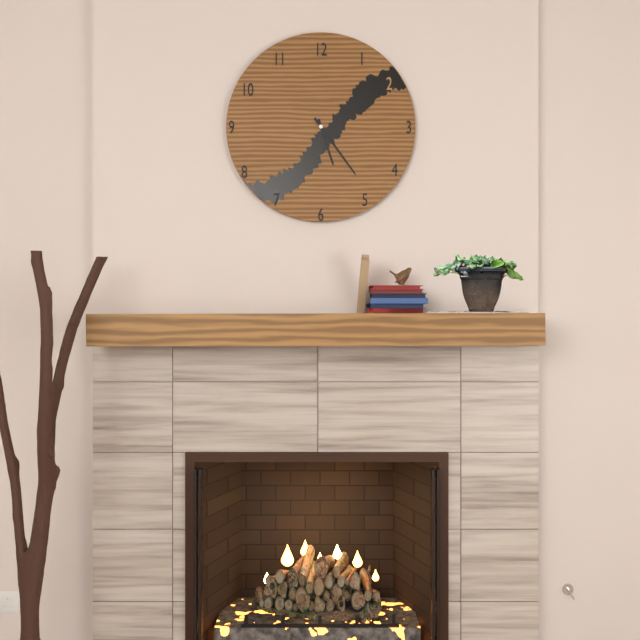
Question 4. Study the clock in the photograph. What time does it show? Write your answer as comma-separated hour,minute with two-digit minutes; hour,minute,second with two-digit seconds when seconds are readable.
5,24
